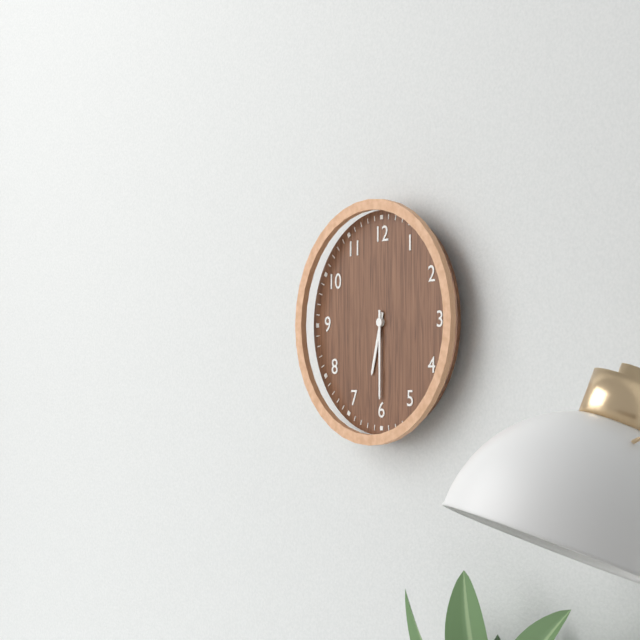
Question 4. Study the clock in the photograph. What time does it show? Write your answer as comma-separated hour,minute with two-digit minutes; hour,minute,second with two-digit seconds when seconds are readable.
6,30
